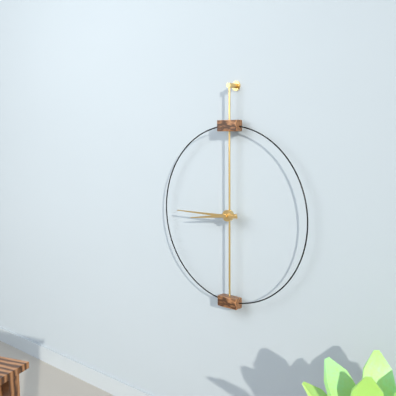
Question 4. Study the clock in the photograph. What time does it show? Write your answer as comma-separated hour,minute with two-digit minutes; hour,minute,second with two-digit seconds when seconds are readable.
8,45
